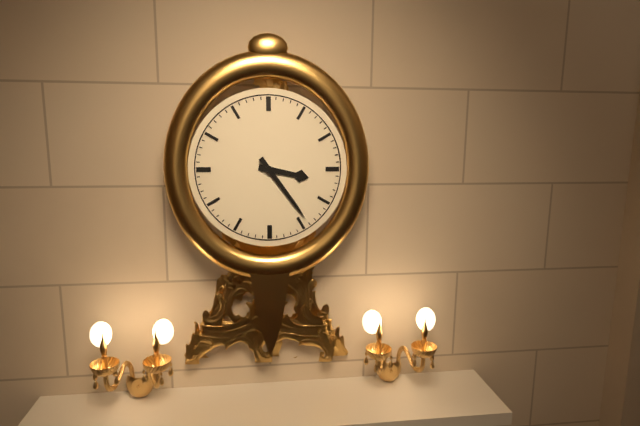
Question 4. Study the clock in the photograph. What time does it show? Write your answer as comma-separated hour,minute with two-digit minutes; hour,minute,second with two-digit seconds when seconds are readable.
3,24
